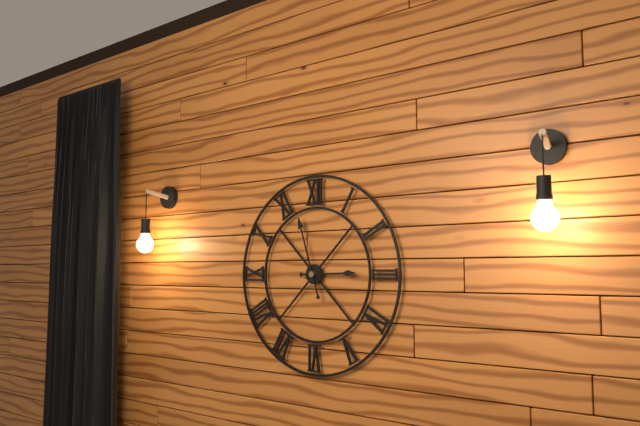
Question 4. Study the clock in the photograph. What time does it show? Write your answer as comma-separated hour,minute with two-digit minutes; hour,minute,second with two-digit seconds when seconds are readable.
2,57
